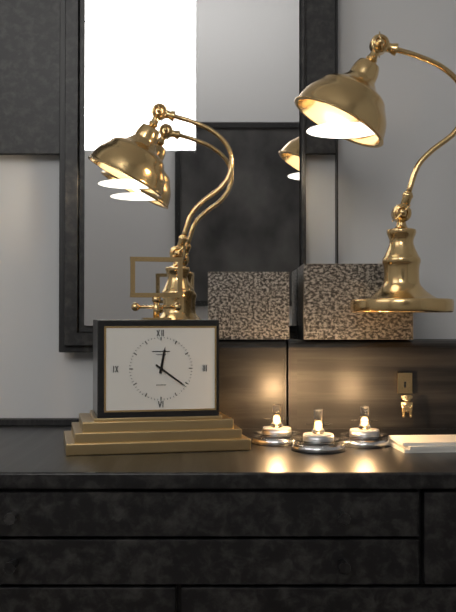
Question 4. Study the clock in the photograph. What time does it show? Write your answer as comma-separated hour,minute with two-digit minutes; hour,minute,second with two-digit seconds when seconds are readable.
12,21
